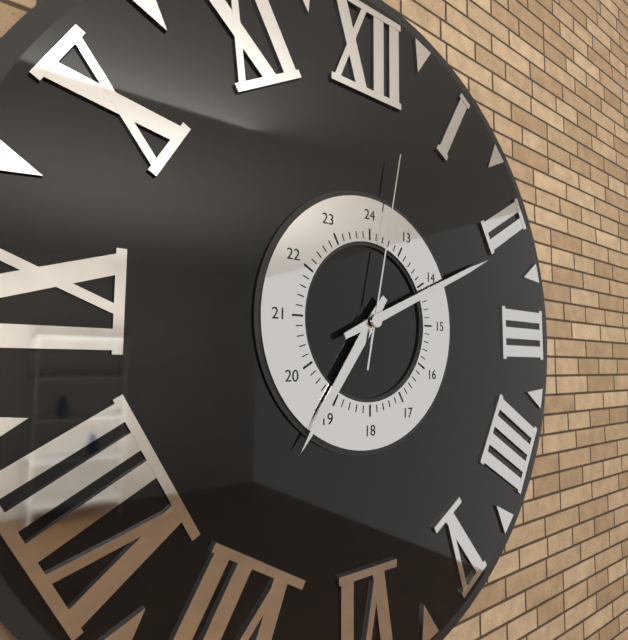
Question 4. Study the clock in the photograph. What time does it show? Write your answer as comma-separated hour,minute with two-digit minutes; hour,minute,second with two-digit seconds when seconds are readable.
7,11,02
